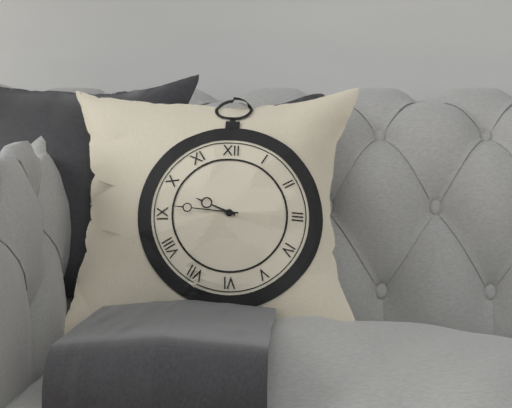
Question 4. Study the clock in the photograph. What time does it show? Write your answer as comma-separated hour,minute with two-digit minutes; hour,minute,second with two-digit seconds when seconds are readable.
9,46
